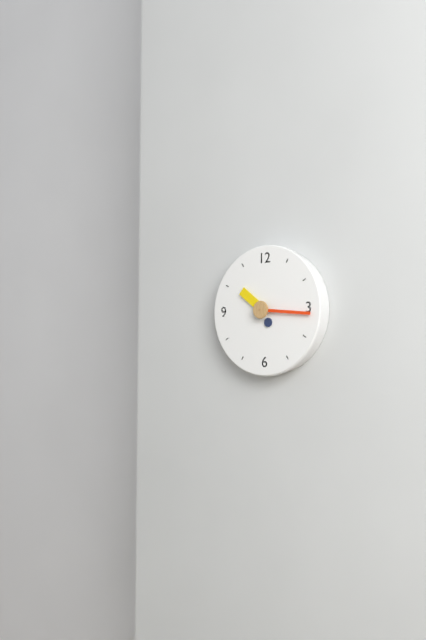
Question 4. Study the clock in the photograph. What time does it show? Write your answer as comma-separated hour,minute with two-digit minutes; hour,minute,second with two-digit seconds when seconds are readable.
10,16
